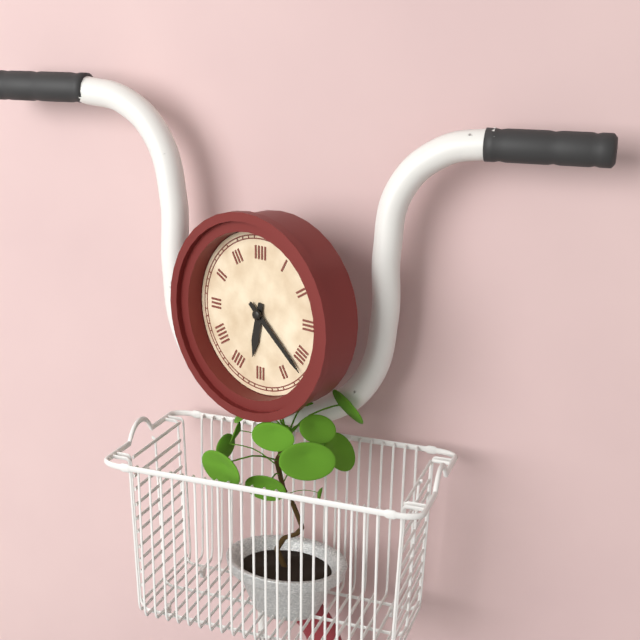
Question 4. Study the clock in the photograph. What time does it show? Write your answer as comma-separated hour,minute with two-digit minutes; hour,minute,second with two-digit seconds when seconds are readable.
6,22
